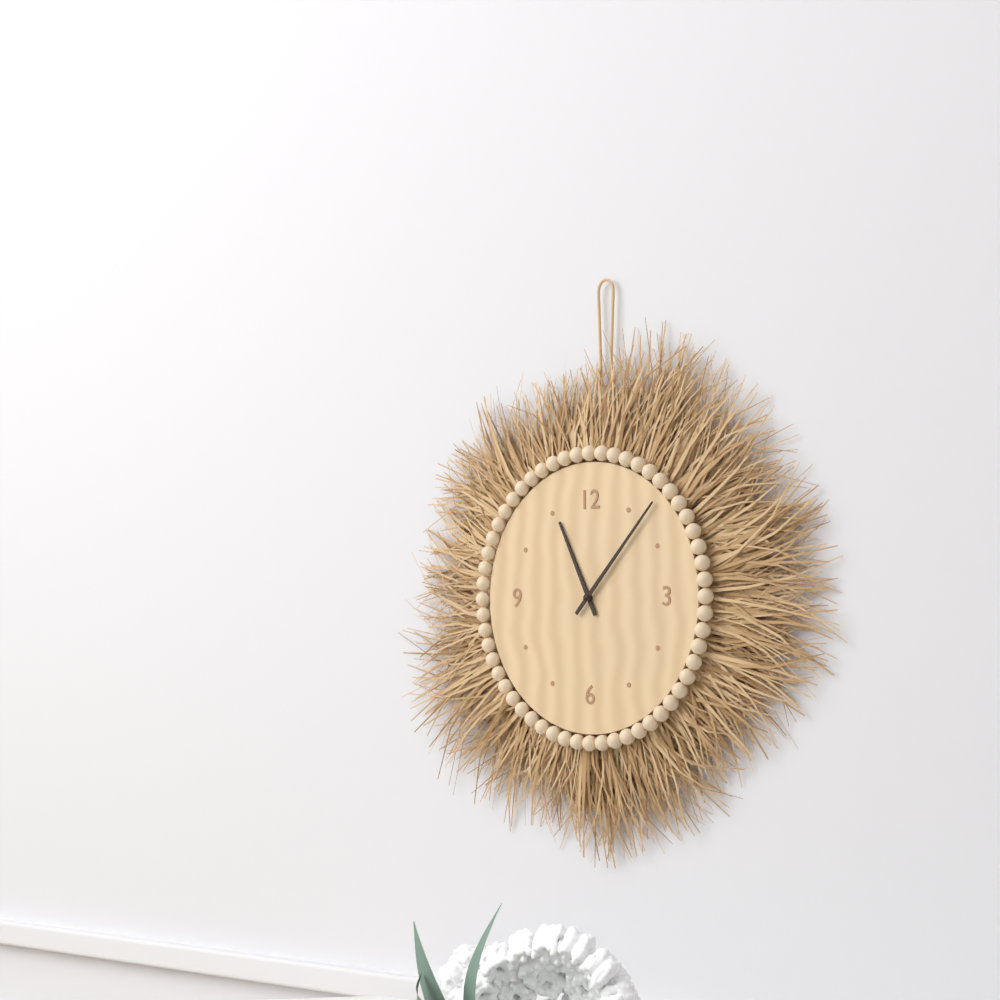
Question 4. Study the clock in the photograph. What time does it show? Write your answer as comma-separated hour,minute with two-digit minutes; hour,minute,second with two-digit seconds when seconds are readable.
11,07
